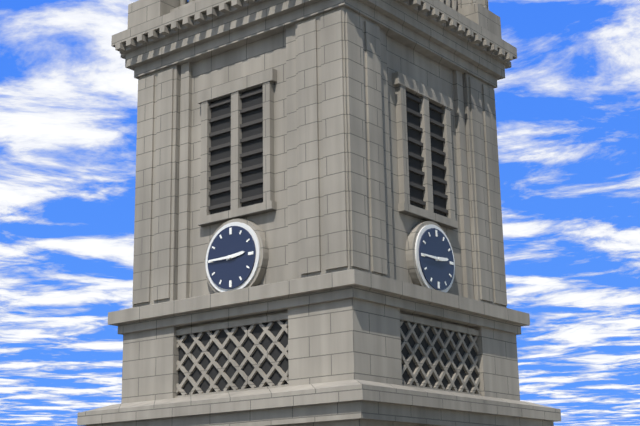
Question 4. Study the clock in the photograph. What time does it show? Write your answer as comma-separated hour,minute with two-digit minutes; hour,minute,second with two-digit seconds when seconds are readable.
2,45
